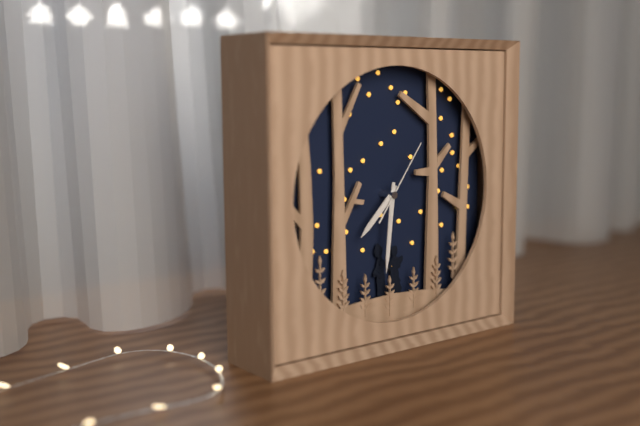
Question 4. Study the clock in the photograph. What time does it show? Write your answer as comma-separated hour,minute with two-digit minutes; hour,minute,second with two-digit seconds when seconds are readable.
7,31,06
